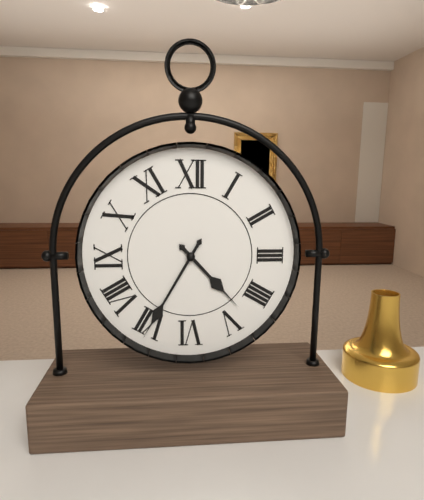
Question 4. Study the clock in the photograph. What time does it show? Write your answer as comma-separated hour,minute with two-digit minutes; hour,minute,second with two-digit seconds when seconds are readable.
4,35
